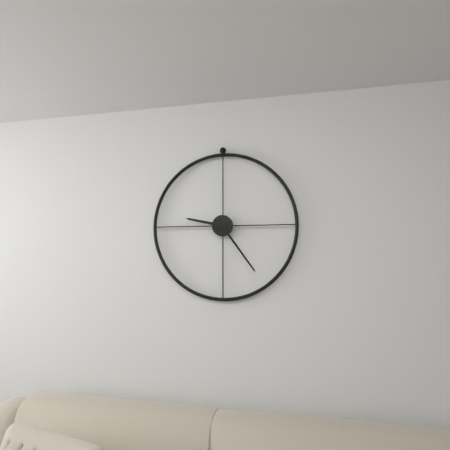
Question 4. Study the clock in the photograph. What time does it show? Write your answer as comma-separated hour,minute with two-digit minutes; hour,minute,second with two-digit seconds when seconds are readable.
9,24
